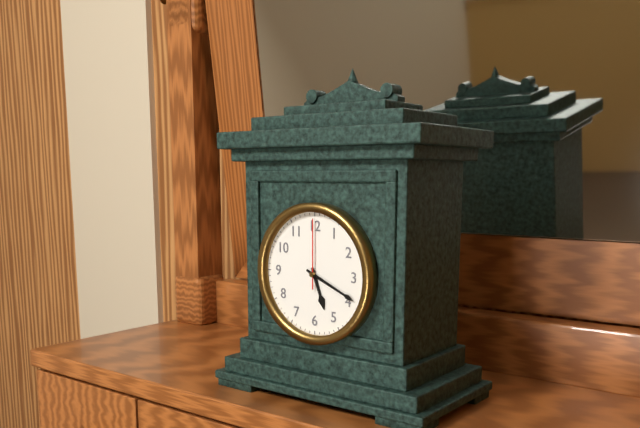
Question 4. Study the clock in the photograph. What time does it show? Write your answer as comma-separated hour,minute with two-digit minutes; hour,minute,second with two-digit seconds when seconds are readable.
5,19,00
